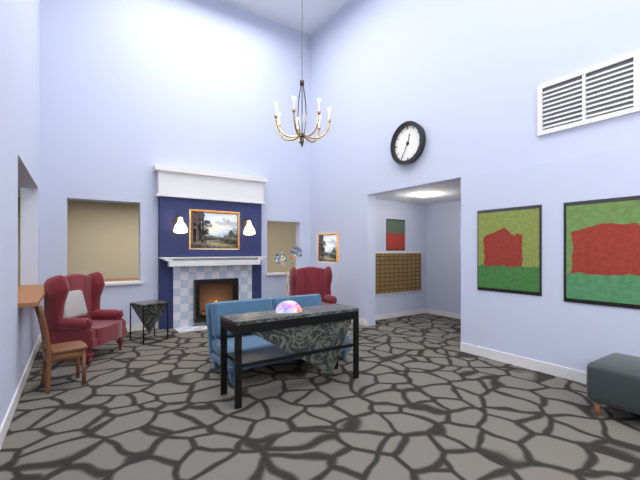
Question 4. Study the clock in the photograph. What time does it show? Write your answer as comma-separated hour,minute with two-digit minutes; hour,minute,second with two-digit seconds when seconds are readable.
12,35
